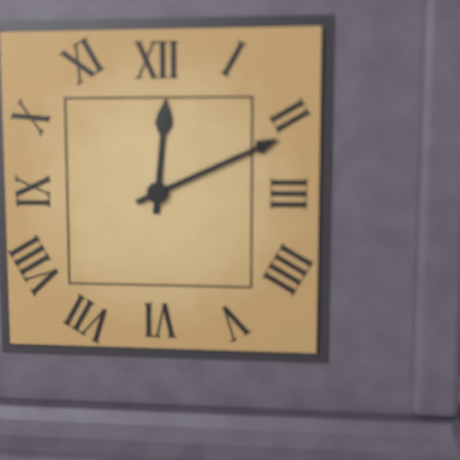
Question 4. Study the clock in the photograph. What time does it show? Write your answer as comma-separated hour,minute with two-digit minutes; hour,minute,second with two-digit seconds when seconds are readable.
12,11
